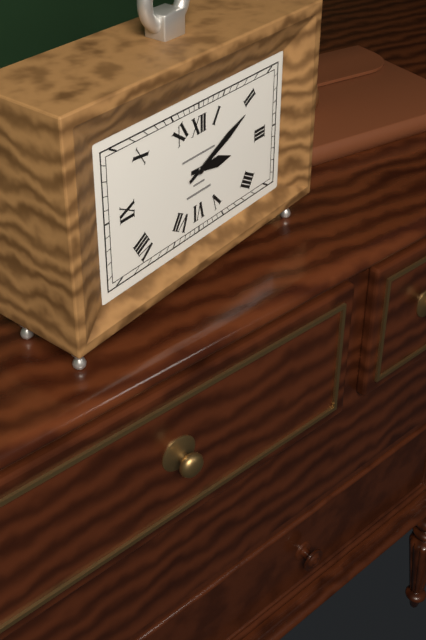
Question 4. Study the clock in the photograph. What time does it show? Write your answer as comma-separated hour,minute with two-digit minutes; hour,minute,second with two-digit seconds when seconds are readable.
3,11
